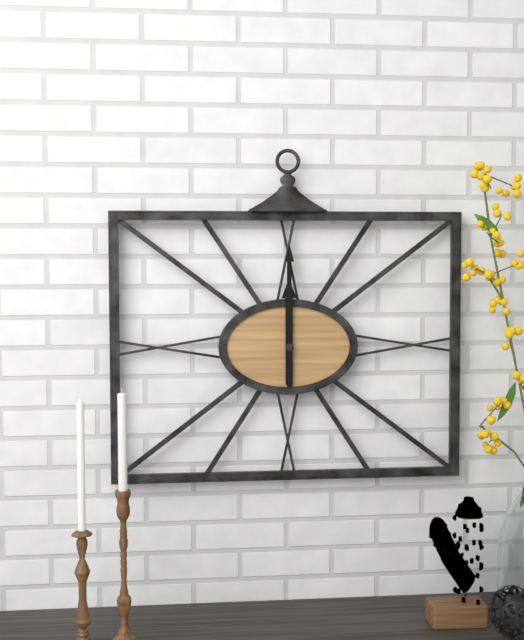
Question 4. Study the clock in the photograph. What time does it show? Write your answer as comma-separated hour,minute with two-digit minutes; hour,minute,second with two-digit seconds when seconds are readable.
12,00
